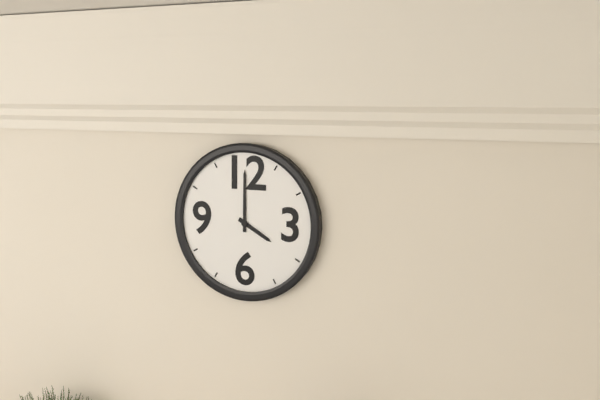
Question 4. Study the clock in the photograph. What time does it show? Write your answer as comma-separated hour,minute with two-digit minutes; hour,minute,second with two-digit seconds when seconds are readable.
4,00
